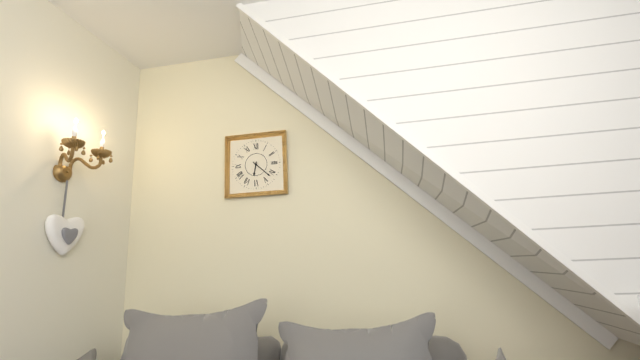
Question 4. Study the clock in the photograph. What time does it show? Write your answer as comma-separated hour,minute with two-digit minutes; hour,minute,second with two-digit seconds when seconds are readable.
6,22
